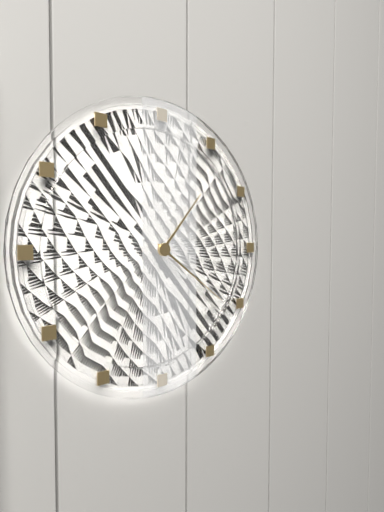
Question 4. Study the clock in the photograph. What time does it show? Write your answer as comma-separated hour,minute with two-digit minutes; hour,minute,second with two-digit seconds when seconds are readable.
1,21
